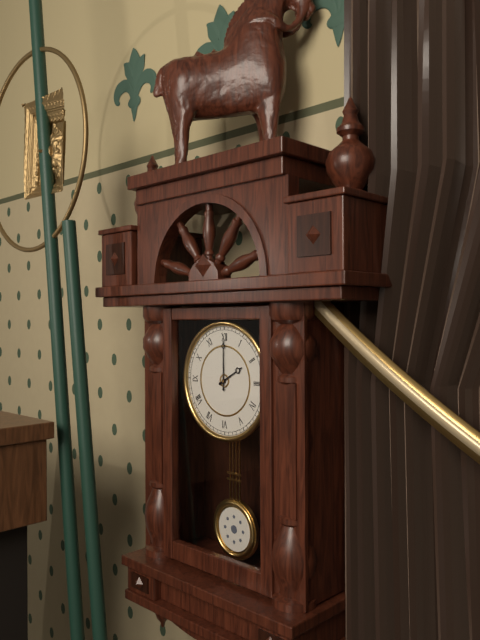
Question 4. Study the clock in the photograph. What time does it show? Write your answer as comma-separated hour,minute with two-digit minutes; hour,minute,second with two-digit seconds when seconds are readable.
2,00
